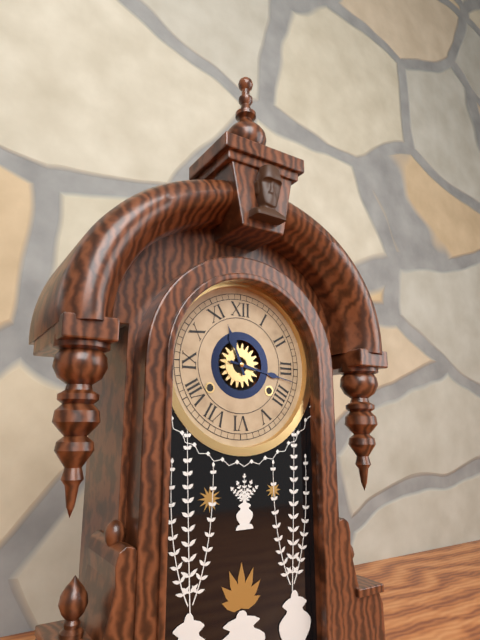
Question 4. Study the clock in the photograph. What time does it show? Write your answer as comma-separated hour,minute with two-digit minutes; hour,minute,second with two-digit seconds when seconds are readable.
11,17
